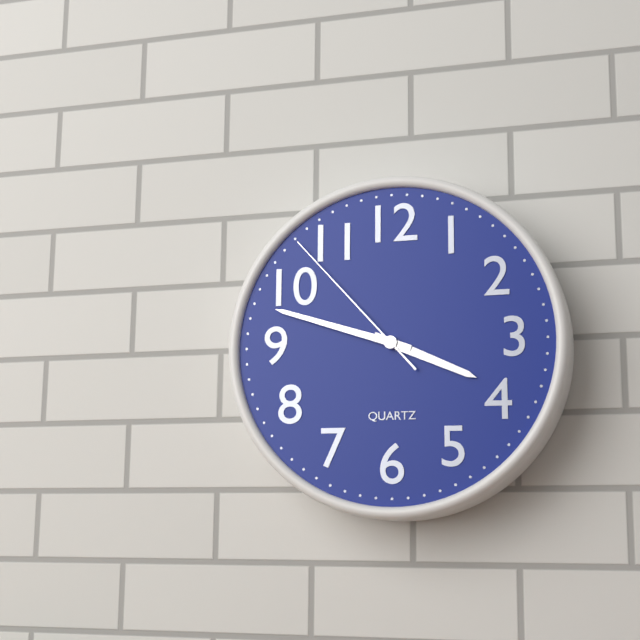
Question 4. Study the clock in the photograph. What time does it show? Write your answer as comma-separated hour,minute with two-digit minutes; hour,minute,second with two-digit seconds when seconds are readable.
3,48,53
